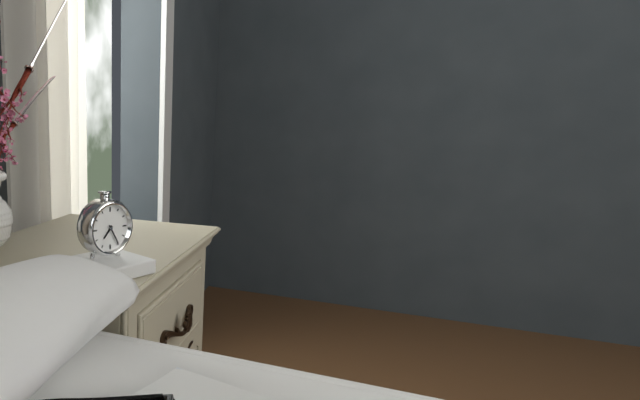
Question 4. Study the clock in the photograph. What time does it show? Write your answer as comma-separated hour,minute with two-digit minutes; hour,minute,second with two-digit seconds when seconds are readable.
7,25
